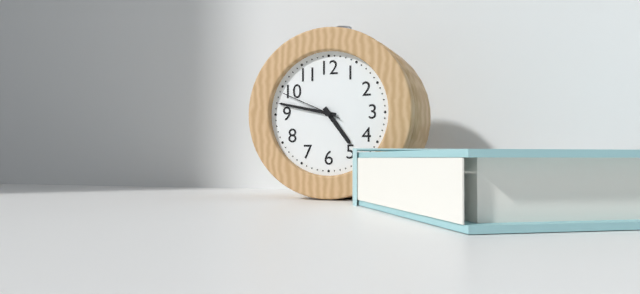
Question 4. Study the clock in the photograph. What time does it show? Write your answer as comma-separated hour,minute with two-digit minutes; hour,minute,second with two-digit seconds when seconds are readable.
4,47,49
